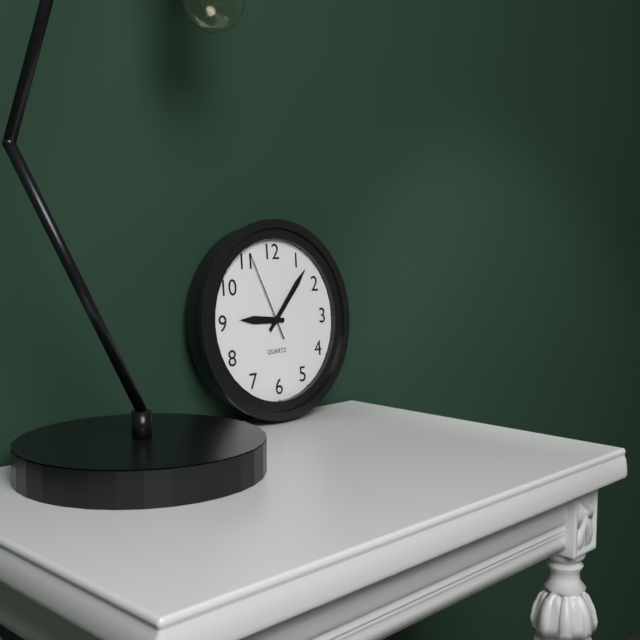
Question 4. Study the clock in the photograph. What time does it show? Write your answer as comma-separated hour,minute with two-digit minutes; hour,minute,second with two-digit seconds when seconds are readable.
9,07,56
